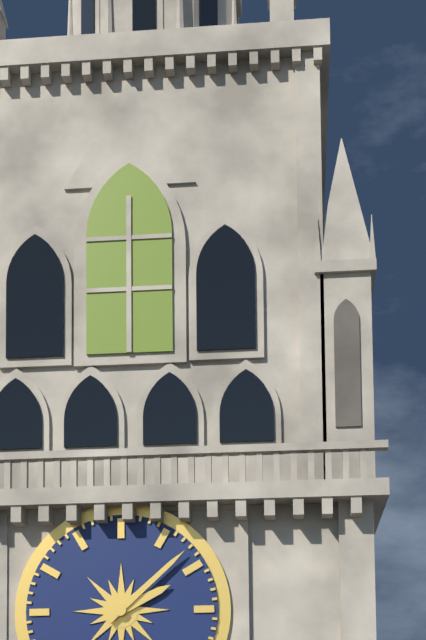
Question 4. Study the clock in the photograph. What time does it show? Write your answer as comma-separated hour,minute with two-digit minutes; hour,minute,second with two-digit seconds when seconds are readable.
2,08
